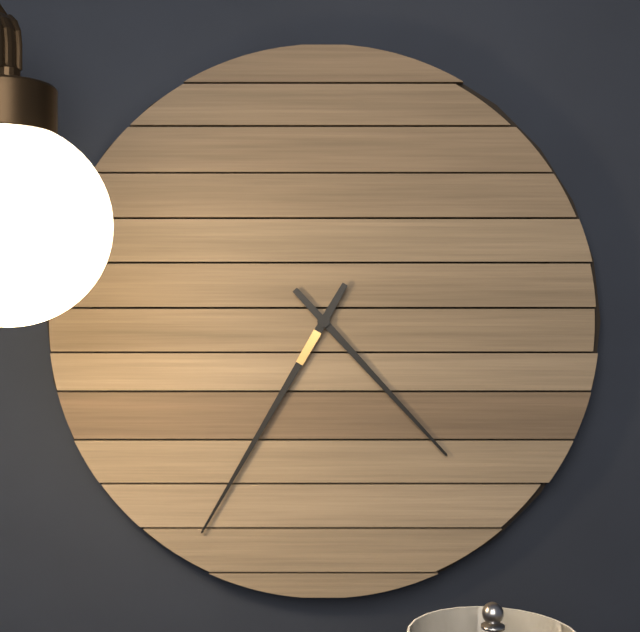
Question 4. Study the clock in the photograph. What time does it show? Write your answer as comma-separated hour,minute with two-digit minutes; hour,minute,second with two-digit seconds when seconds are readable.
4,35
